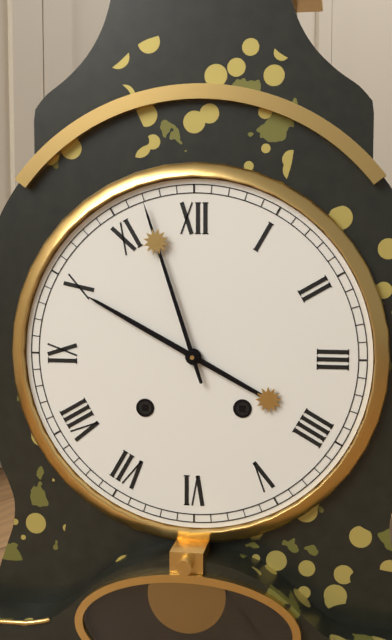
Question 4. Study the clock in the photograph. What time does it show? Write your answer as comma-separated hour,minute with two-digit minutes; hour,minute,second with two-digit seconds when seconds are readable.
9,57
